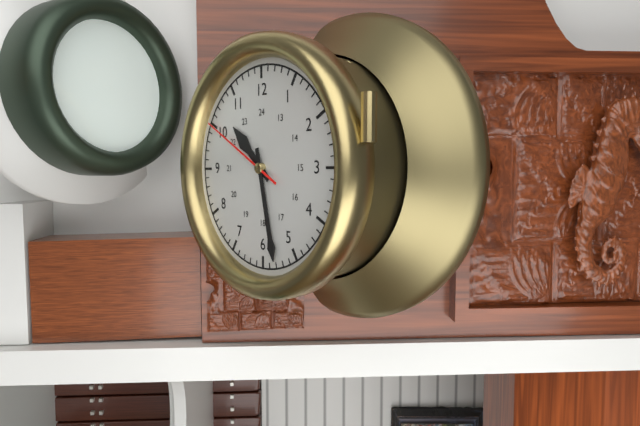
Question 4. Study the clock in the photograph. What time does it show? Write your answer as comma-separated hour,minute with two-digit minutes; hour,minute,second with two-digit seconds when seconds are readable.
10,28,50
